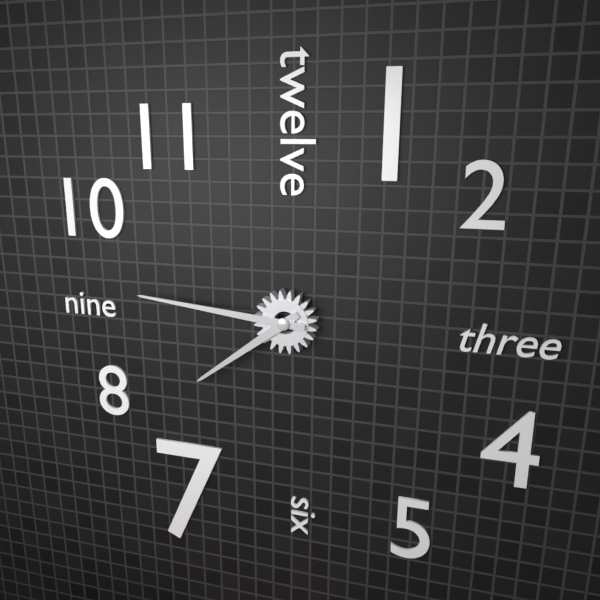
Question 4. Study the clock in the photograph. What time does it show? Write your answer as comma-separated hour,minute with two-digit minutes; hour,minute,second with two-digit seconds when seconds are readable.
7,46
